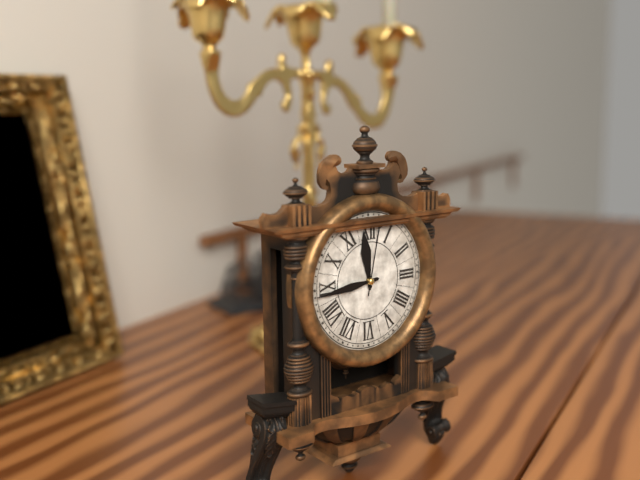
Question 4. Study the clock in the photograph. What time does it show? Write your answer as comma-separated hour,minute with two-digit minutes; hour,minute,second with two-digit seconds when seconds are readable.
11,44,02
